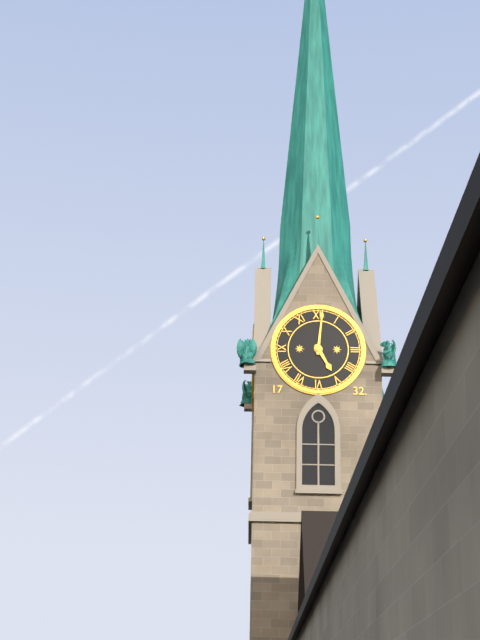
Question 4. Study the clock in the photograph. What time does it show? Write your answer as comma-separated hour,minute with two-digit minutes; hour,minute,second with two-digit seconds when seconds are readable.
5,01
